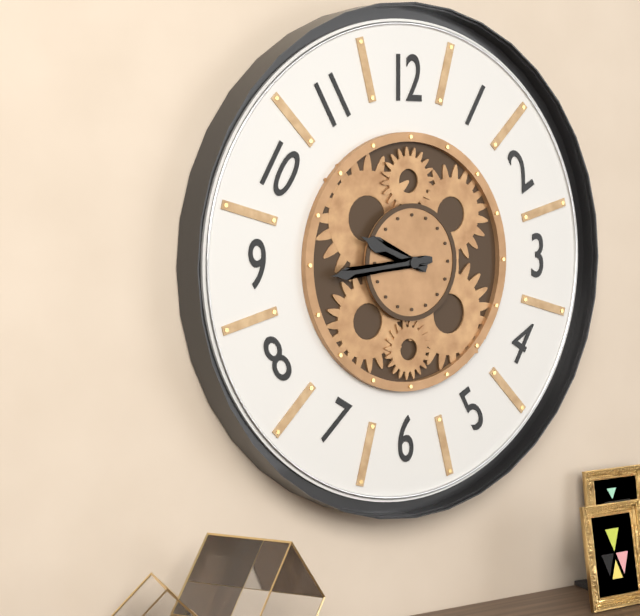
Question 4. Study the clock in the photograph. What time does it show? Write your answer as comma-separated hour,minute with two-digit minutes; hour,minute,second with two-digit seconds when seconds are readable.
9,44
